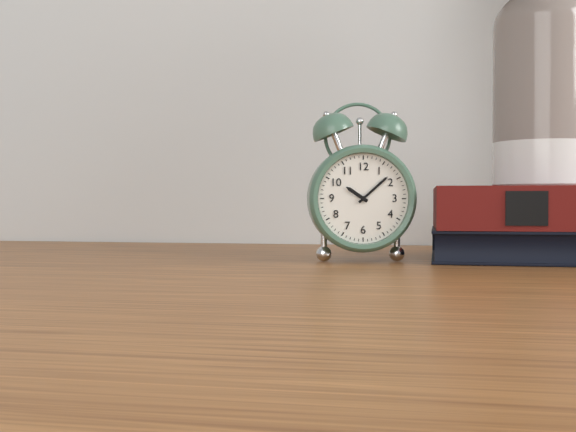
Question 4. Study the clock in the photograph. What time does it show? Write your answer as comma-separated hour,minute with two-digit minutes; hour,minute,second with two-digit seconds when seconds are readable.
10,08
